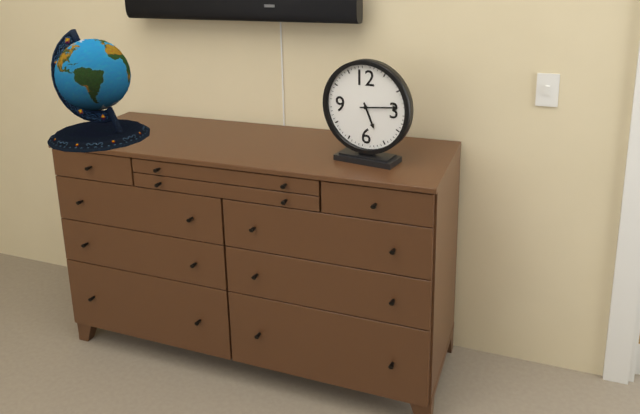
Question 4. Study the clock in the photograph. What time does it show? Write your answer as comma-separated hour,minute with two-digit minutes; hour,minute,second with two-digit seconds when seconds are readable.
5,14
